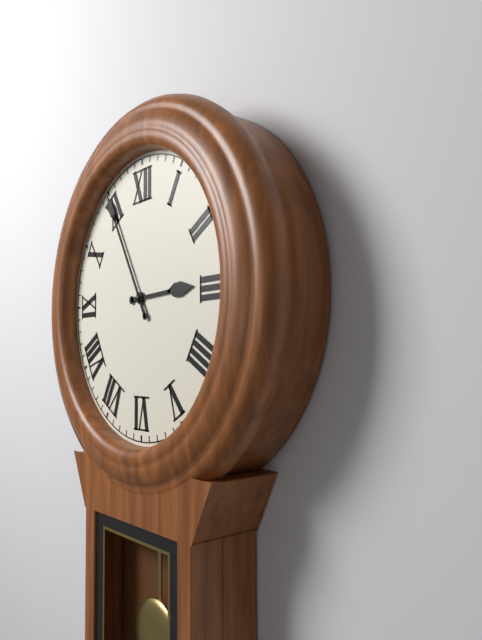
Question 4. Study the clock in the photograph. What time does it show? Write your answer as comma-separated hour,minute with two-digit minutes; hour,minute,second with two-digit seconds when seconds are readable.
2,55
